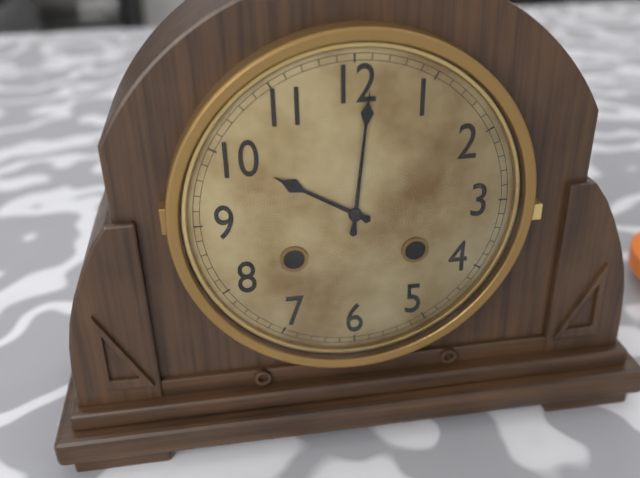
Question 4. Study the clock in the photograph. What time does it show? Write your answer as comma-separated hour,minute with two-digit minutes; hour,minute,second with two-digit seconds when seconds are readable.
10,01
